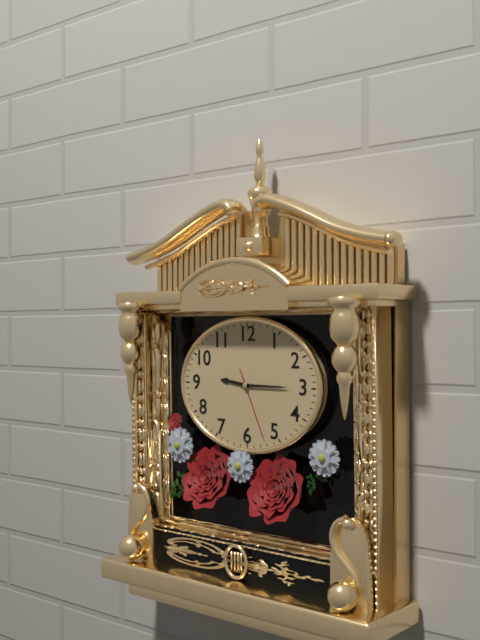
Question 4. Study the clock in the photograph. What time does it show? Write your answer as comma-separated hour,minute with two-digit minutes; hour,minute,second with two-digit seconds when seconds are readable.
9,15,26
